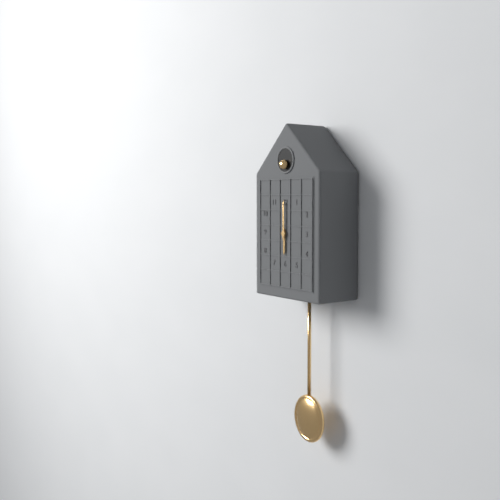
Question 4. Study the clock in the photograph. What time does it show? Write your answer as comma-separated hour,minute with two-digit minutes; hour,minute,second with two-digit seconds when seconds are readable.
6,00
